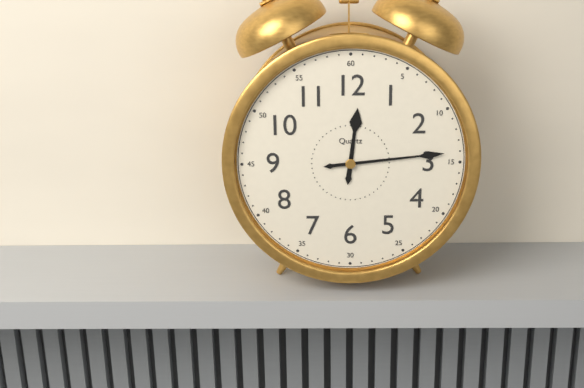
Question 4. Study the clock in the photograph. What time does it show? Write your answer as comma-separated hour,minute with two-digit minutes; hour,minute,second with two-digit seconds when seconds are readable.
12,14
